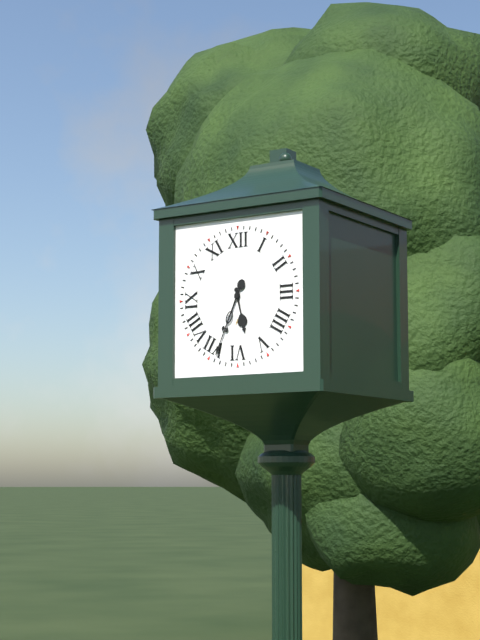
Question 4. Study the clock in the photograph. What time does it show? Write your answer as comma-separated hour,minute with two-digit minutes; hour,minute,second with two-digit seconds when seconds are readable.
5,34
